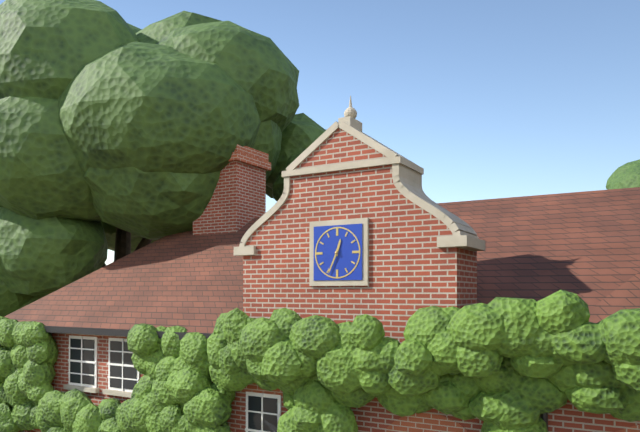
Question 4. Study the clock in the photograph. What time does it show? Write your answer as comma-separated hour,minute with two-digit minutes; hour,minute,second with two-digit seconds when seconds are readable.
12,34
